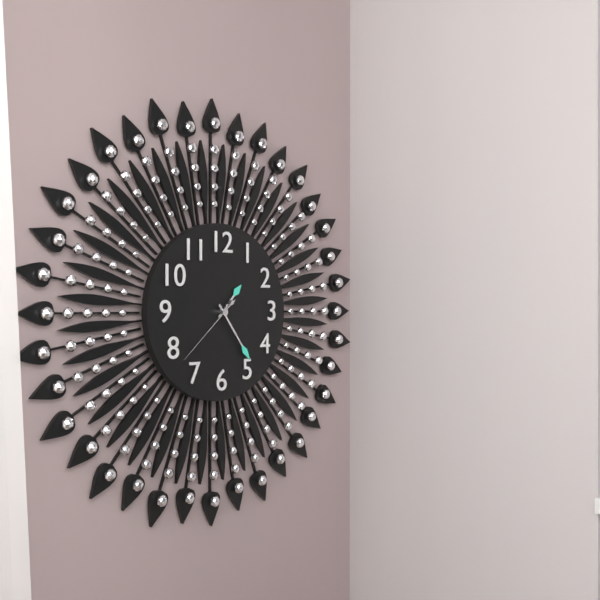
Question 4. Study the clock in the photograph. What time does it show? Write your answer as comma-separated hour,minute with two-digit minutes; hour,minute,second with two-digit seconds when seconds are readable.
1,24,38
